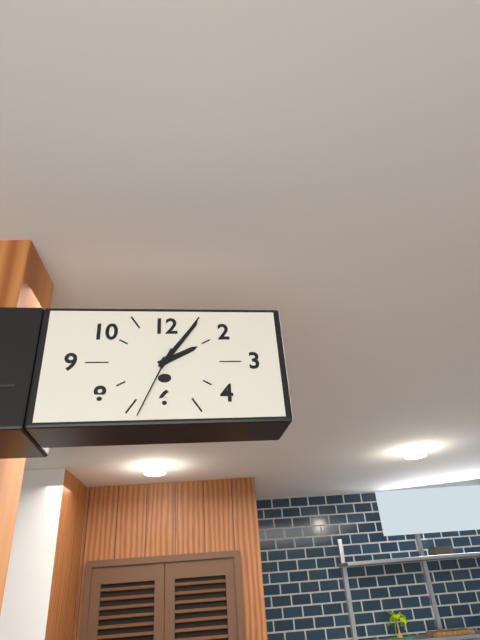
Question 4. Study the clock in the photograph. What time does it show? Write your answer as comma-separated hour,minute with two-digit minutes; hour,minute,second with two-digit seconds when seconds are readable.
2,06,34
